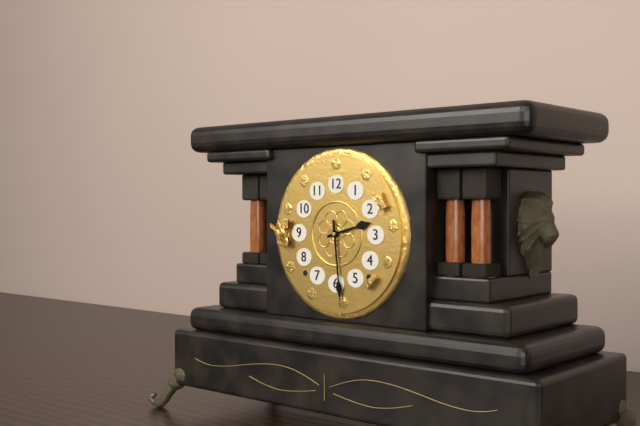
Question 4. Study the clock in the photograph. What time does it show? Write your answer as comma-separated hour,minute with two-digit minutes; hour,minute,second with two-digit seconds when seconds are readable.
2,29
